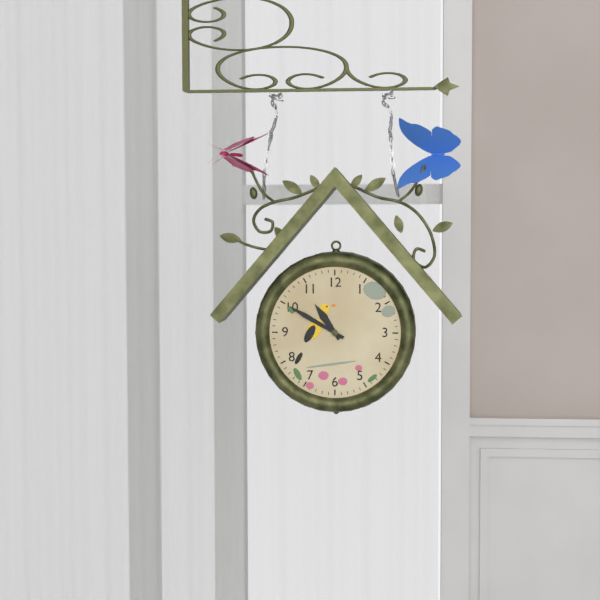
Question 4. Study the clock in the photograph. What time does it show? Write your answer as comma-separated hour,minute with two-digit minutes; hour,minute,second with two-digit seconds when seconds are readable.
10,50
